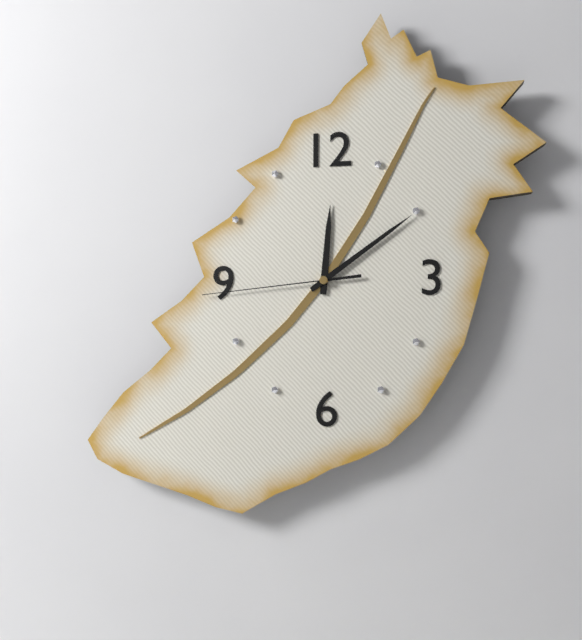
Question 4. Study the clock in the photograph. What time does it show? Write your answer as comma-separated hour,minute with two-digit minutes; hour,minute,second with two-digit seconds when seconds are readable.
12,09,44
